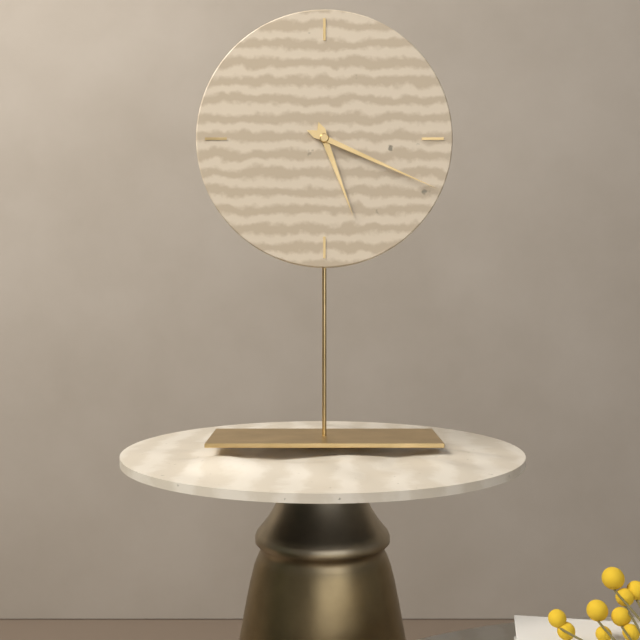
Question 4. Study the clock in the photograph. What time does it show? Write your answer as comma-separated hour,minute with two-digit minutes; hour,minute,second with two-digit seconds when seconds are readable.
5,19
